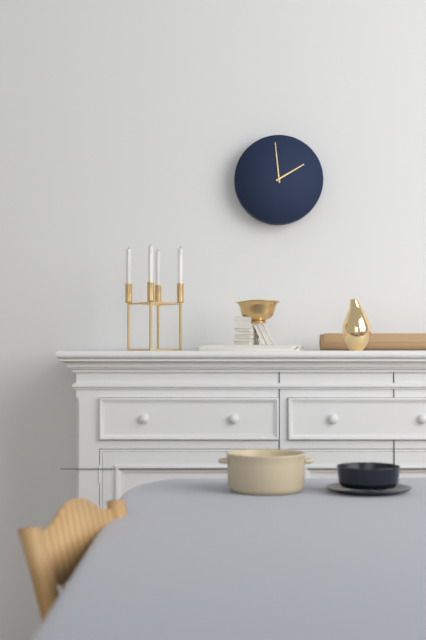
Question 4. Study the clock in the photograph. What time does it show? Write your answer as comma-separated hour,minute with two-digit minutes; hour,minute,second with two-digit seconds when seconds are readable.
1,59
